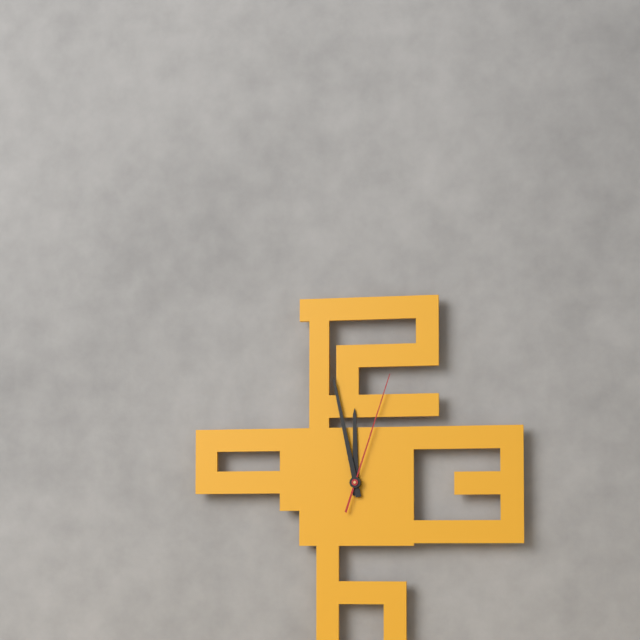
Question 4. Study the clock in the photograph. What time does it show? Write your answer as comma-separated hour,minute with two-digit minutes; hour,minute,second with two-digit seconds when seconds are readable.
11,58,03
